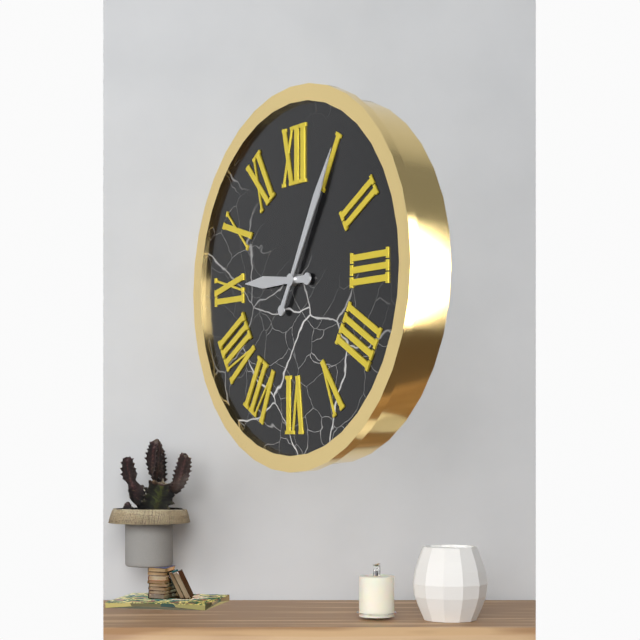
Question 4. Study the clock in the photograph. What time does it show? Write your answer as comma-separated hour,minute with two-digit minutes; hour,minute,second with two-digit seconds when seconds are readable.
9,05
